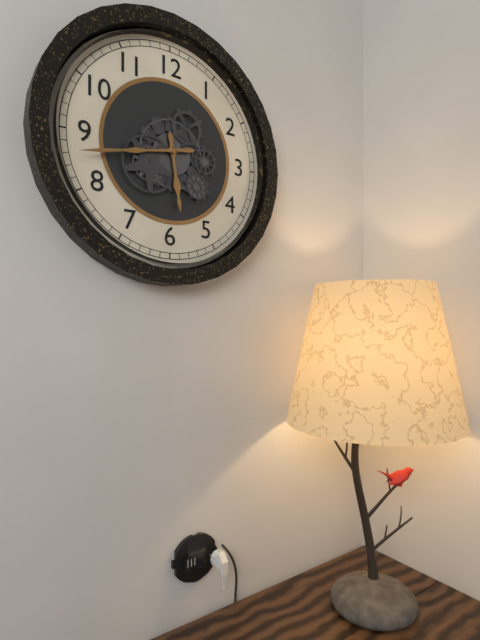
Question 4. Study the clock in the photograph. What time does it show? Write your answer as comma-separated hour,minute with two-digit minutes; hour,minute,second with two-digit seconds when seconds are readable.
5,43
